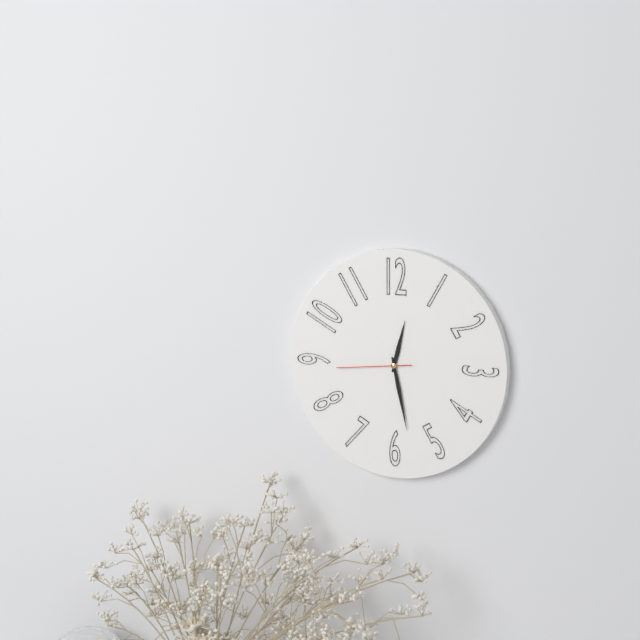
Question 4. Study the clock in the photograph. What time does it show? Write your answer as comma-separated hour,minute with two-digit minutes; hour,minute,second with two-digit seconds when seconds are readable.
12,28,44
